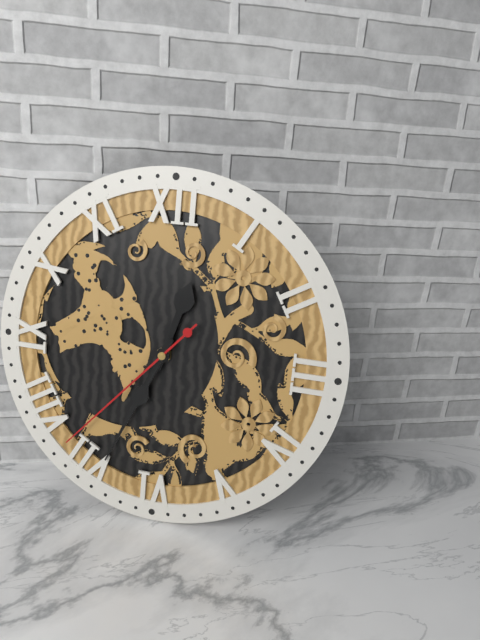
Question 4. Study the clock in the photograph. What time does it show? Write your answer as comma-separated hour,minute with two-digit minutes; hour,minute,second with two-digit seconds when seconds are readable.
12,34,37
